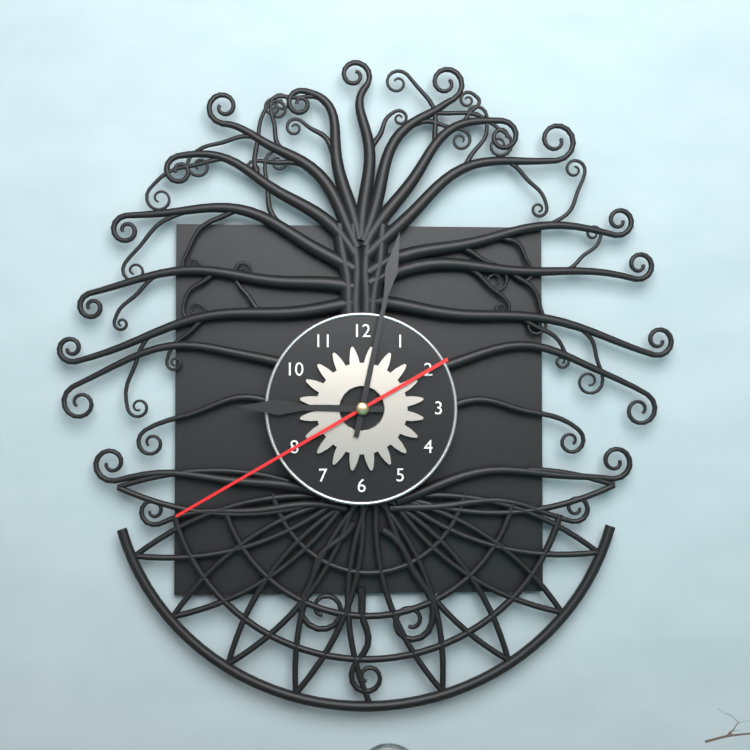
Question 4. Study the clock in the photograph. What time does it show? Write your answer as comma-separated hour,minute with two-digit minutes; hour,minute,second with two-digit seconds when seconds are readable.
9,02,40
